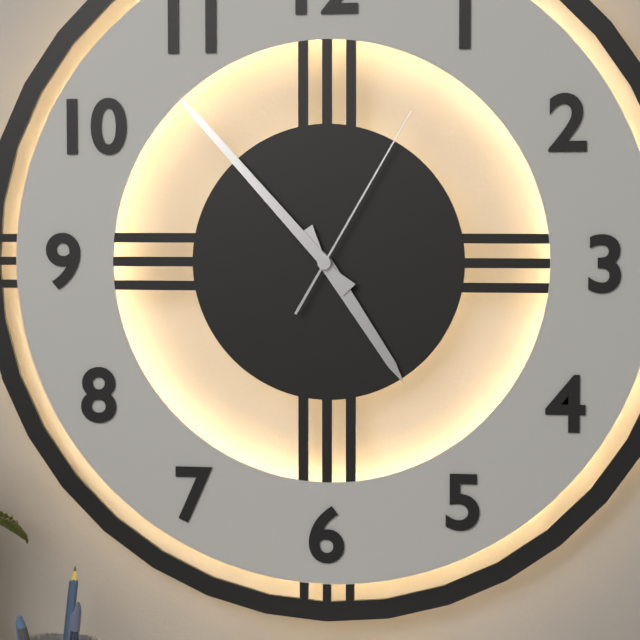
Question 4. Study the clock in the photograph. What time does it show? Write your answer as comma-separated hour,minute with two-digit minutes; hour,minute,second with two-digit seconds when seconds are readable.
4,53,05
